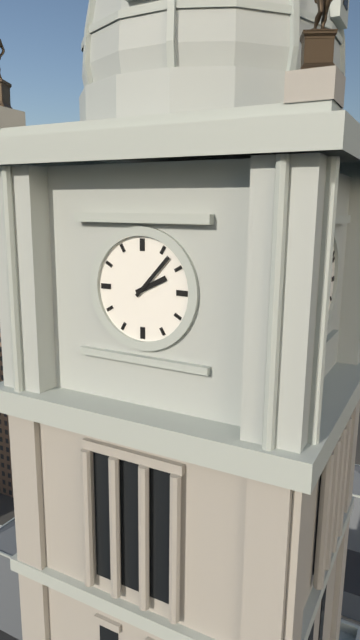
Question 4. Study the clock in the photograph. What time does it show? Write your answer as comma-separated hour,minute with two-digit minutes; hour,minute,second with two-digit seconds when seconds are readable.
2,07
